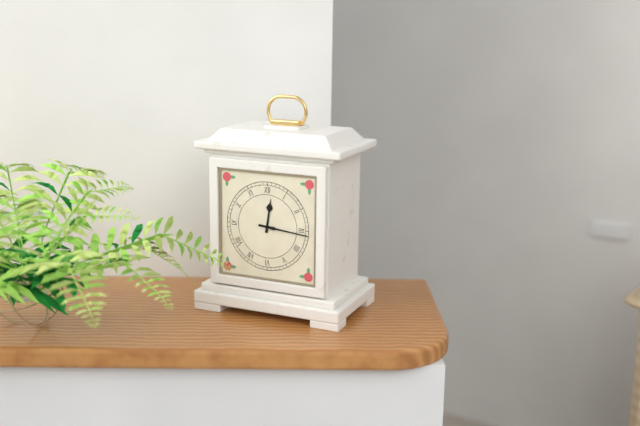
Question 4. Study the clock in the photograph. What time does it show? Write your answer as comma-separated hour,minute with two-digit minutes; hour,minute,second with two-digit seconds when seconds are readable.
12,16
